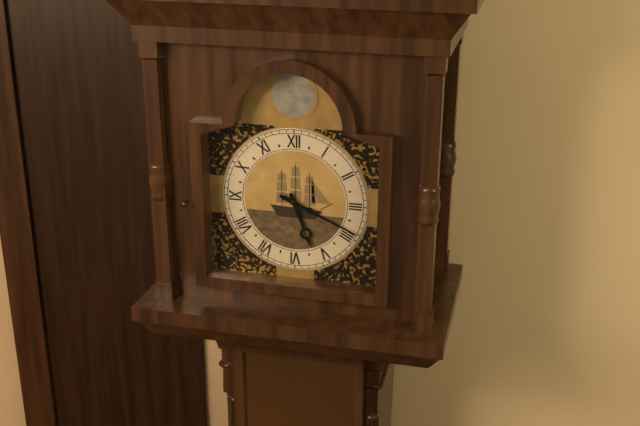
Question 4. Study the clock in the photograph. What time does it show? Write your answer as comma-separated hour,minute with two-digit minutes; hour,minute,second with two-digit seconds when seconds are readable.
5,19
